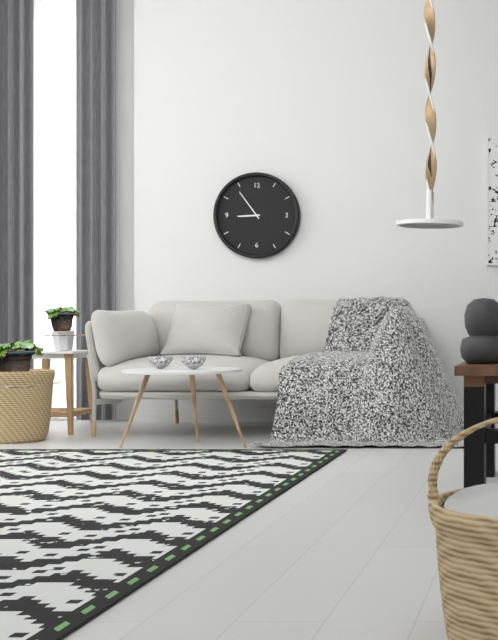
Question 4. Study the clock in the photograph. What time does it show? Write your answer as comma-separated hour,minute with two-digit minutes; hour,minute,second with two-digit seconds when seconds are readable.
8,54
